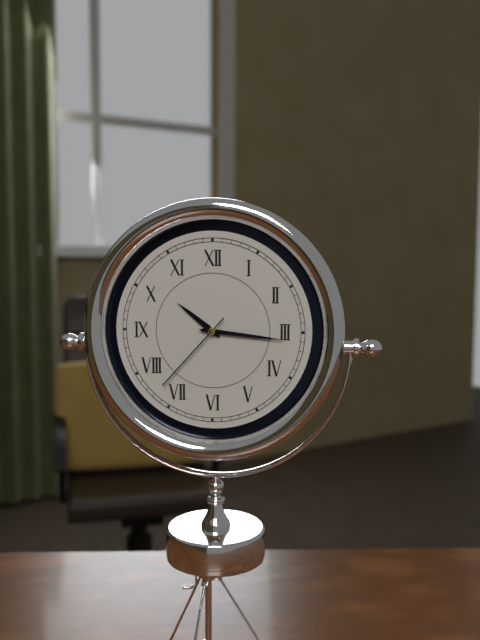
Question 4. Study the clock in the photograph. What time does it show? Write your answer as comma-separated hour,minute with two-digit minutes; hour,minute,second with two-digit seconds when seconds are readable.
10,16,37
